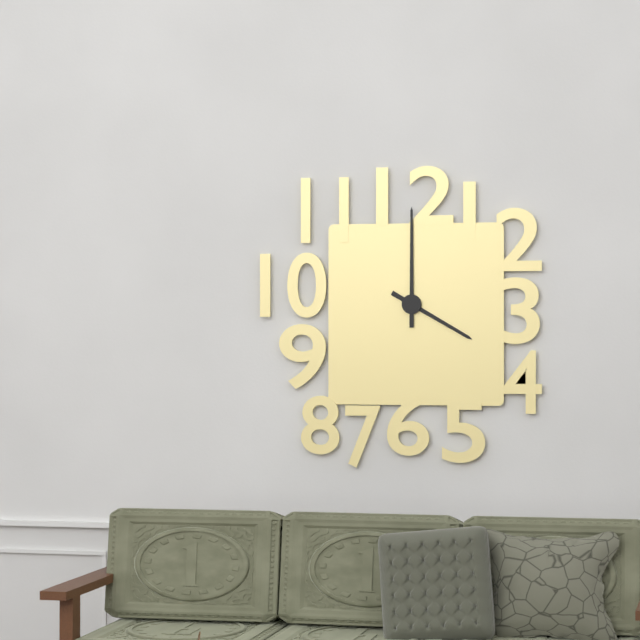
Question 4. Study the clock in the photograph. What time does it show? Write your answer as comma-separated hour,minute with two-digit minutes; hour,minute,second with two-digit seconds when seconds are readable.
4,00
